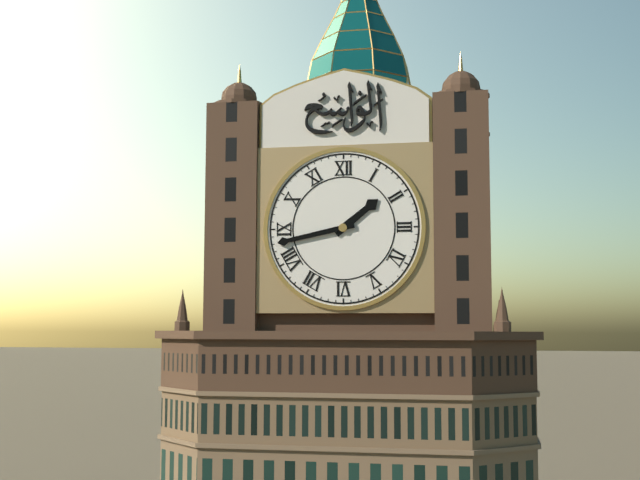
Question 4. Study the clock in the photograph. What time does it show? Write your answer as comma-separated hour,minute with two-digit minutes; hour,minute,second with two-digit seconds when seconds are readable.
1,43
